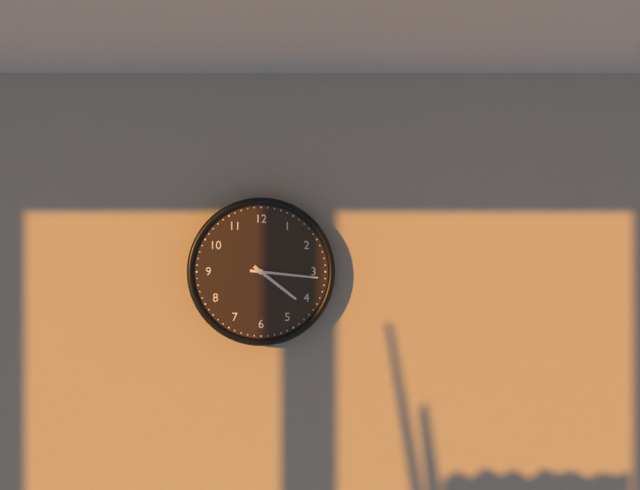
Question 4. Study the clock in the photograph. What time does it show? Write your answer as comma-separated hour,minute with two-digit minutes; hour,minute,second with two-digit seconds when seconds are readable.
4,16
